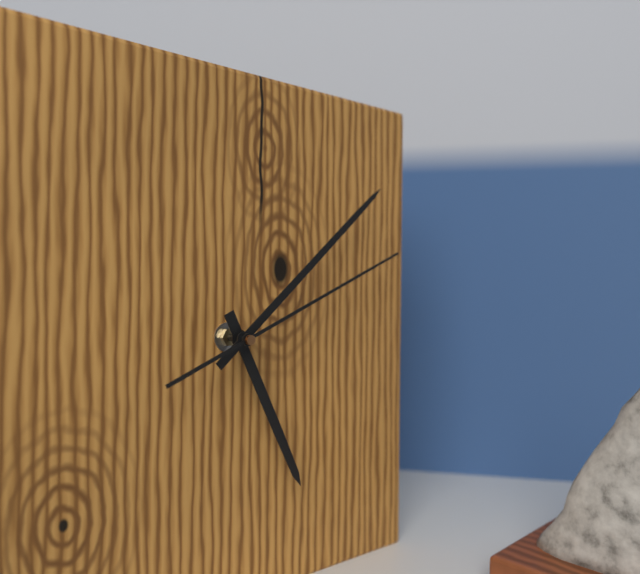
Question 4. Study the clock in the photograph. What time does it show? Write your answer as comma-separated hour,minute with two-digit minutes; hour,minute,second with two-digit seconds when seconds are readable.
5,08,11
